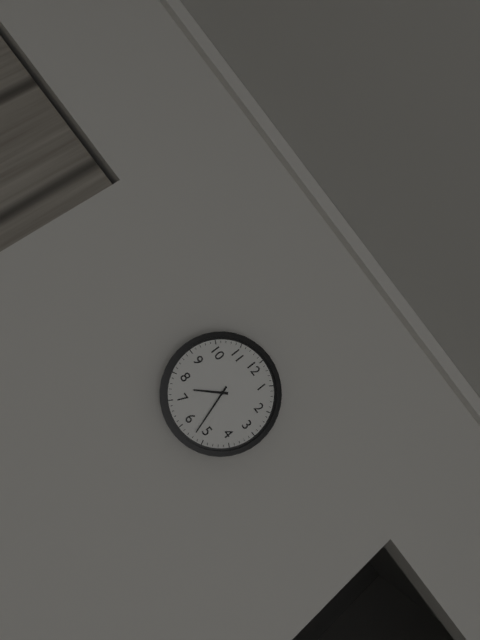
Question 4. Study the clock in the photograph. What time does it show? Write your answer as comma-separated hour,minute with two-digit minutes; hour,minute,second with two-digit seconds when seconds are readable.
7,27
